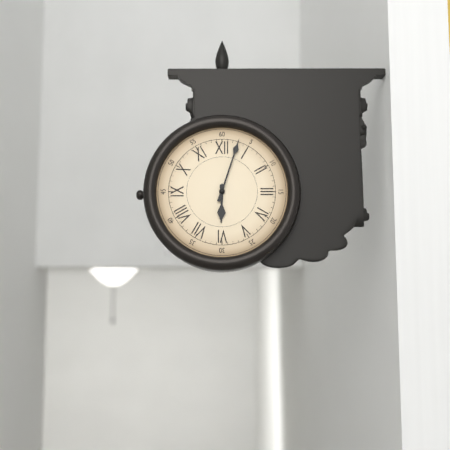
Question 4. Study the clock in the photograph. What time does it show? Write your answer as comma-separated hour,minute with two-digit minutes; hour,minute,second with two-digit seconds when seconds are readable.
6,03
